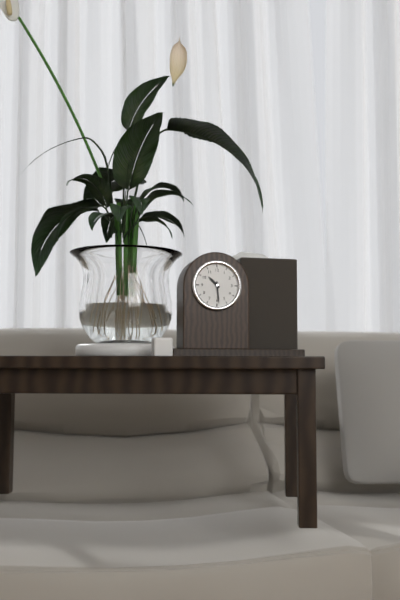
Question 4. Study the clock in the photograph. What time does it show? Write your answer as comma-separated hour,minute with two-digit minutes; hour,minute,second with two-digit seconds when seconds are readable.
10,29
